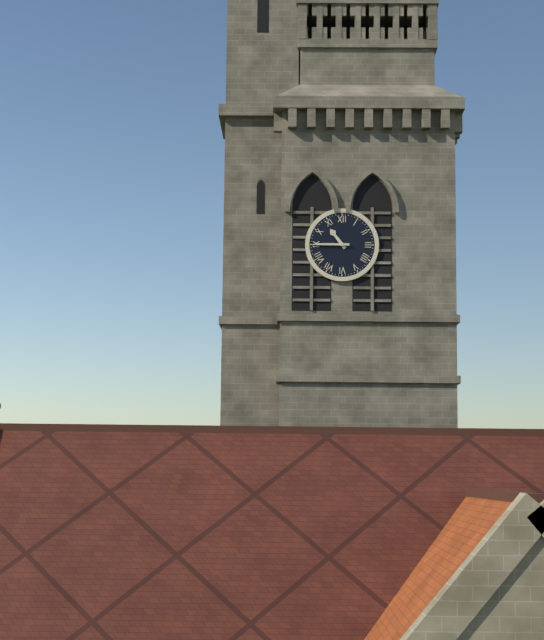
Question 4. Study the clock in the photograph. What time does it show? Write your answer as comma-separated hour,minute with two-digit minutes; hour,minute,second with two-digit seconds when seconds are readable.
10,45
